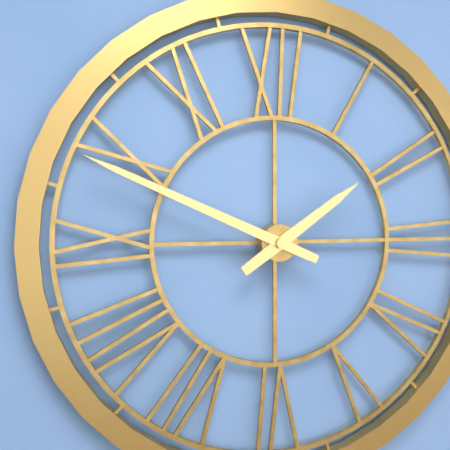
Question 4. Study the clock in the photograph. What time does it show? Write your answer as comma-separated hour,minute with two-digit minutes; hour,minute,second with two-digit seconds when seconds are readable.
1,49
